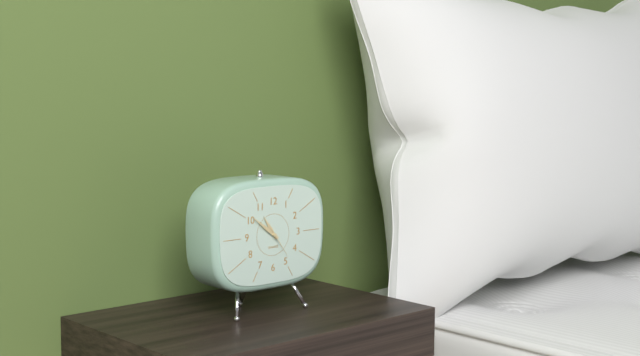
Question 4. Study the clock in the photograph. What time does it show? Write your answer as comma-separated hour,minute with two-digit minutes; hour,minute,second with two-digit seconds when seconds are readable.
10,51
